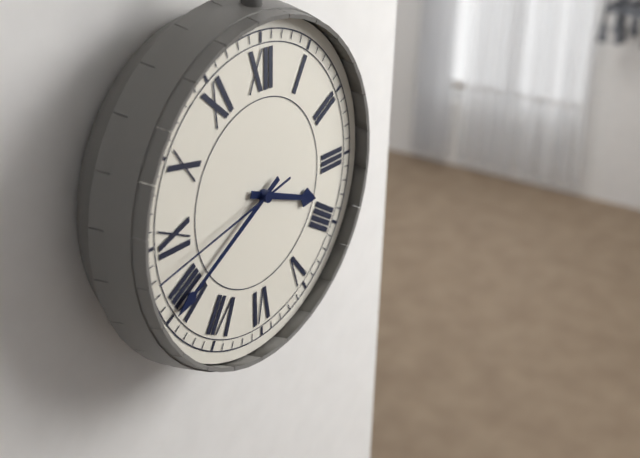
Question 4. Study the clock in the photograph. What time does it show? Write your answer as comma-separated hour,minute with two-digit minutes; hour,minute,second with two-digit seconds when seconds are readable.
3,40,43
